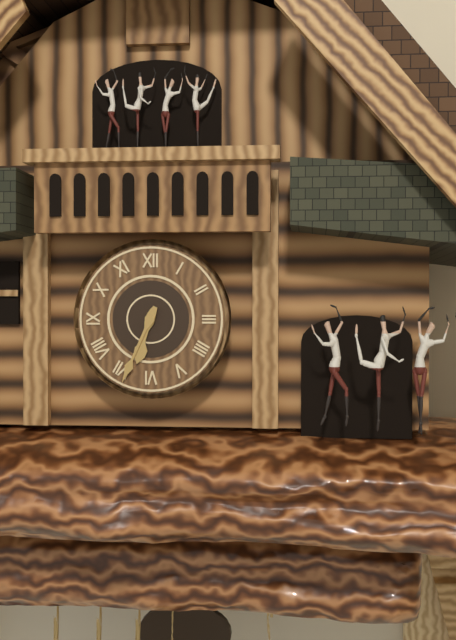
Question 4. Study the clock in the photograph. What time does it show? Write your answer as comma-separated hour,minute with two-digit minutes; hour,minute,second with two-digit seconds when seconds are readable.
6,34
